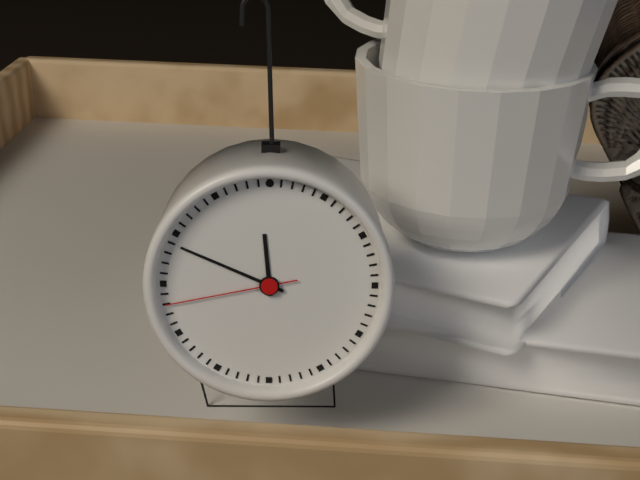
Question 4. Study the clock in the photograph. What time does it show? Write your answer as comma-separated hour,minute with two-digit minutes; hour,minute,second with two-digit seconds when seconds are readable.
11,49,43
